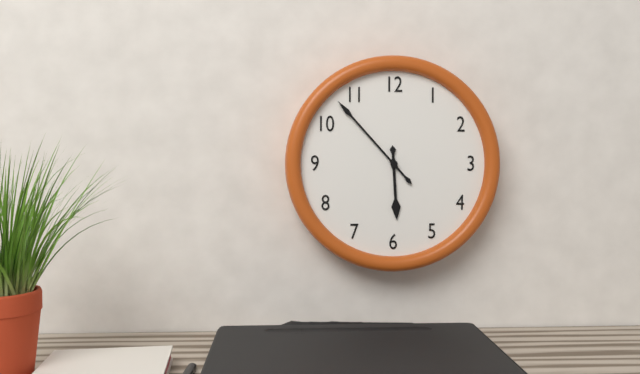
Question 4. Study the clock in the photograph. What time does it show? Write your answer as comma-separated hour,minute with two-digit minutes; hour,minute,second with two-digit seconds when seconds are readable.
5,53
